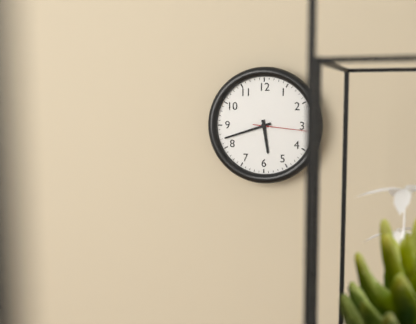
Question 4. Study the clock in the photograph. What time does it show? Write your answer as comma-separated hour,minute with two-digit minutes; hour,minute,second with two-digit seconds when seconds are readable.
5,42,16
